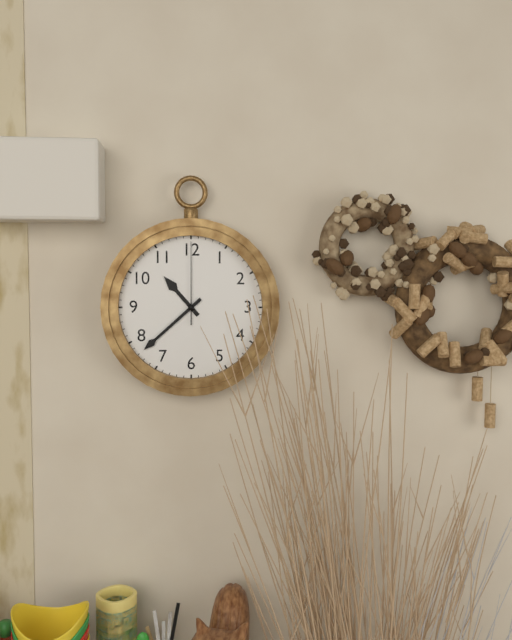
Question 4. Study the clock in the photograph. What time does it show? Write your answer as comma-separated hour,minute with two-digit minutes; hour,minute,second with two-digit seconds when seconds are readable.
10,38,00
